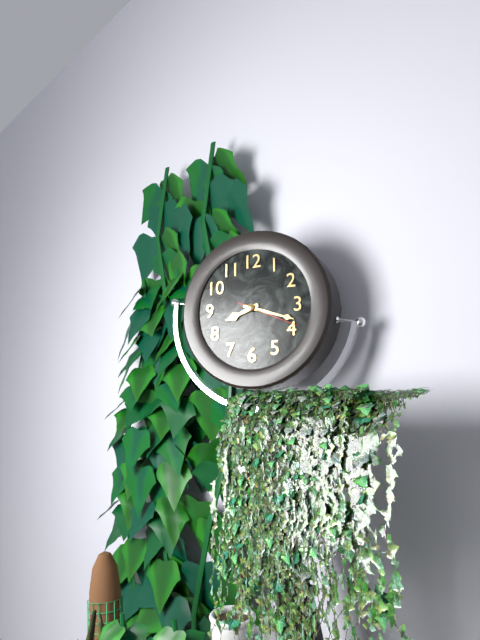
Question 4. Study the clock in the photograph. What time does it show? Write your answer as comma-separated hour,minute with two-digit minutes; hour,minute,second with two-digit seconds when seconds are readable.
8,18,19
